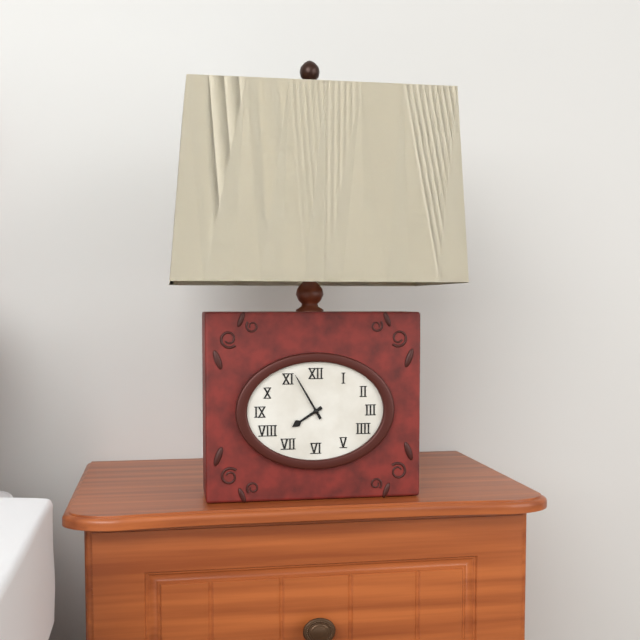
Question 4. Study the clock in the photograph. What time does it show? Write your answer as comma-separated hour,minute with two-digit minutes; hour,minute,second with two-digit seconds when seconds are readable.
7,55
